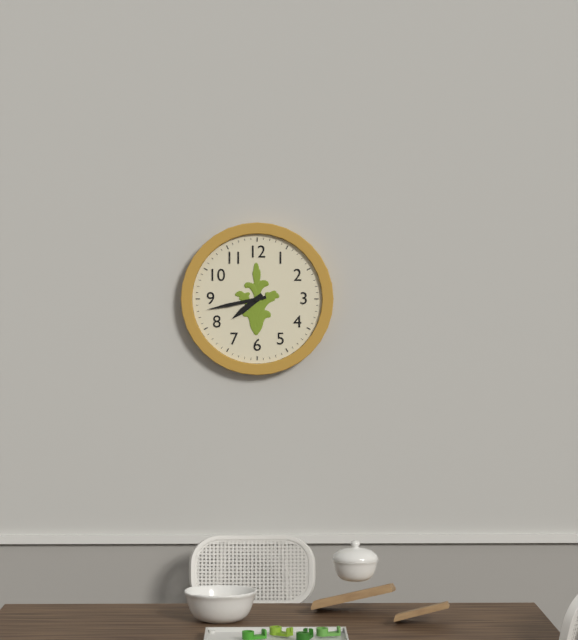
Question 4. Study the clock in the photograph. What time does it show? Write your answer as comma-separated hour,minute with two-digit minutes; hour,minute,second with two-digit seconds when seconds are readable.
7,43
